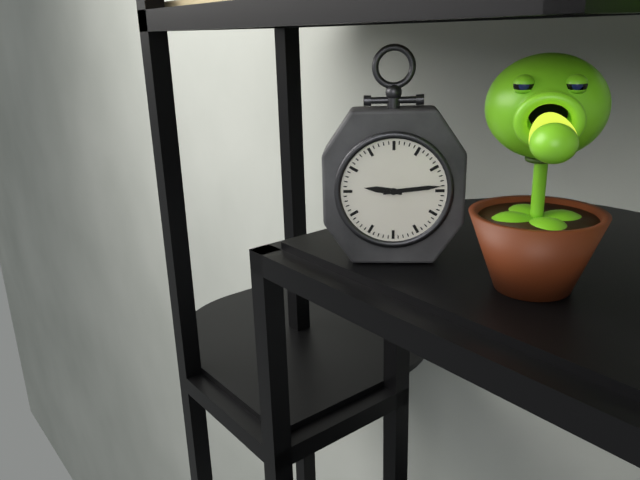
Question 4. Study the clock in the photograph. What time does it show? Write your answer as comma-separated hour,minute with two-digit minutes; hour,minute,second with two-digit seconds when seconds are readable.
9,14
